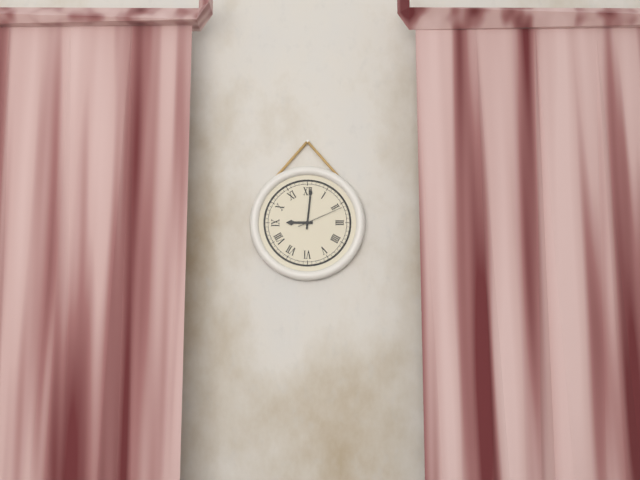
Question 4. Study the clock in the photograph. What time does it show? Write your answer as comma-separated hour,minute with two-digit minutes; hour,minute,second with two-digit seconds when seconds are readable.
9,01
